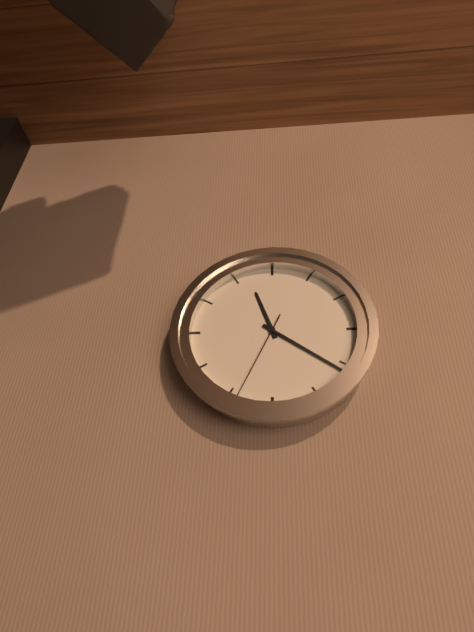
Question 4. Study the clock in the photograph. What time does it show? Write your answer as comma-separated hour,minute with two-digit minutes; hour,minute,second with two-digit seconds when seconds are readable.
11,21,34
